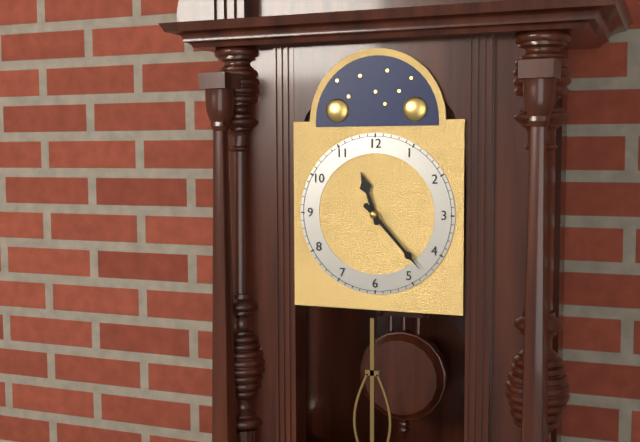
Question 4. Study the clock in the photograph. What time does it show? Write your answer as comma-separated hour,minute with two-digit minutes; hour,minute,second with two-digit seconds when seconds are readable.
11,23
